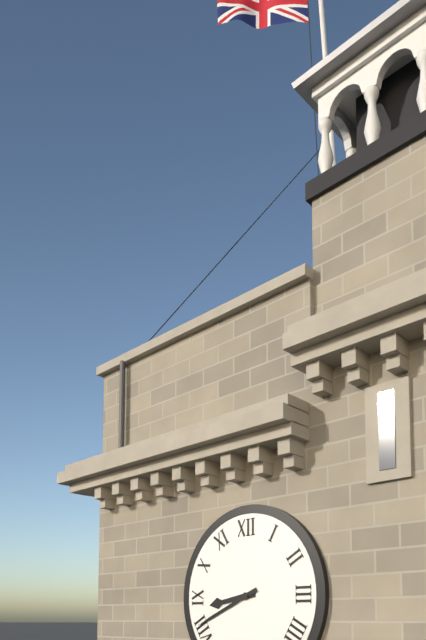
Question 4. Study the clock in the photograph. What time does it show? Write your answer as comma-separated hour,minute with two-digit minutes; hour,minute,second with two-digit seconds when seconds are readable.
8,41
